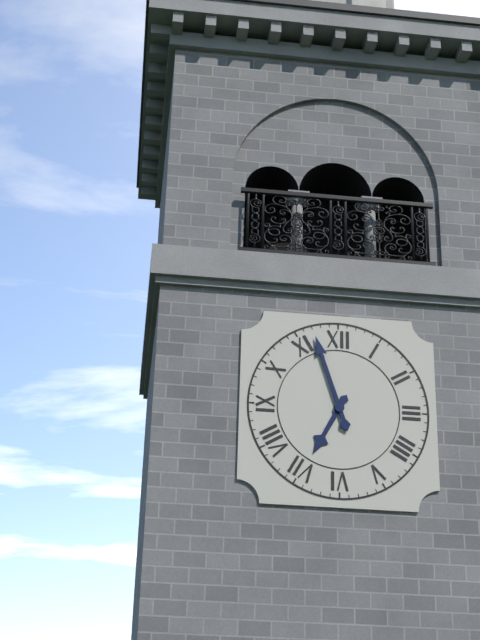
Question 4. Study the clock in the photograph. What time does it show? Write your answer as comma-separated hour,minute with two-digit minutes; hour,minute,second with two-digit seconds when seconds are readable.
6,57
